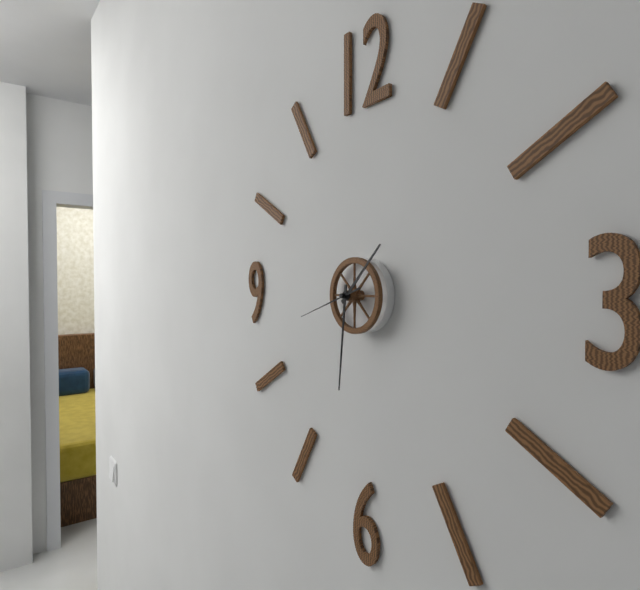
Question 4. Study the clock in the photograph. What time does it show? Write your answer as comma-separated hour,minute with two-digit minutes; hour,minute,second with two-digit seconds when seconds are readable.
1,31,42
